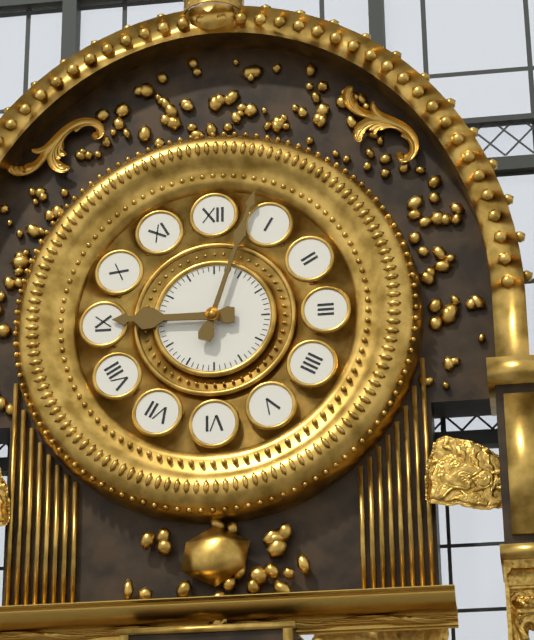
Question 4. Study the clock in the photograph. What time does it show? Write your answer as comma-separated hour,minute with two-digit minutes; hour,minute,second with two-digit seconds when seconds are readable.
9,03
